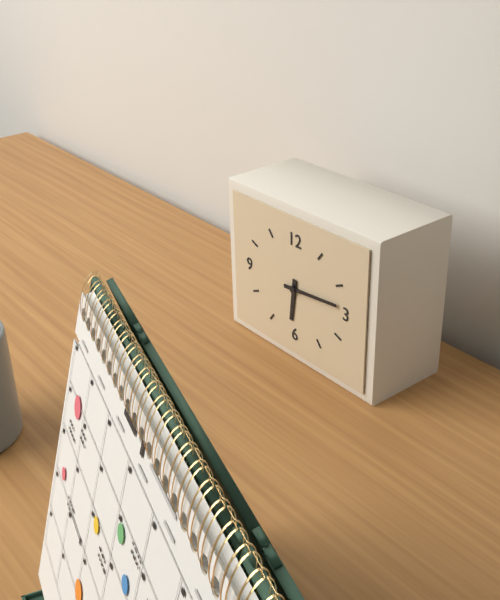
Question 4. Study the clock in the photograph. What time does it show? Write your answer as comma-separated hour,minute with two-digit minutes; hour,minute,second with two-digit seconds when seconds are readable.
6,14
